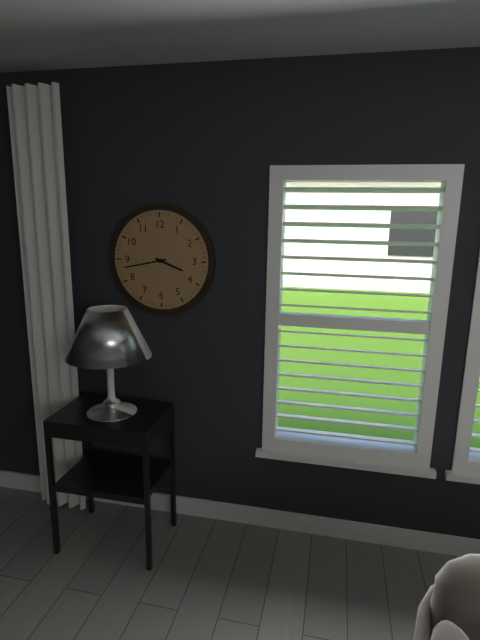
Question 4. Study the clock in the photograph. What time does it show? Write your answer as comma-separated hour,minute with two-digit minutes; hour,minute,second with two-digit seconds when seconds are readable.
3,43
